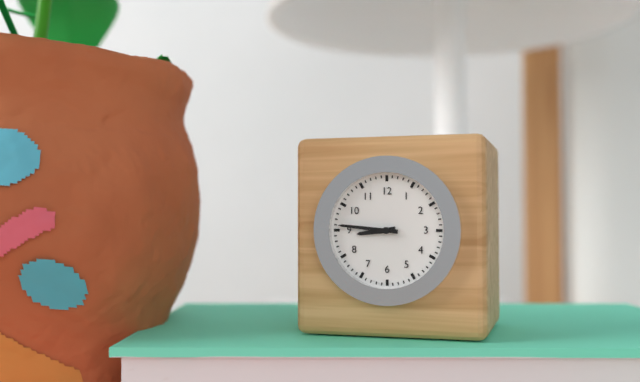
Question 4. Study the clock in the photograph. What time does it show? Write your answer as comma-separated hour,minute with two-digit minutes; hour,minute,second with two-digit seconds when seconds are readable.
8,46
